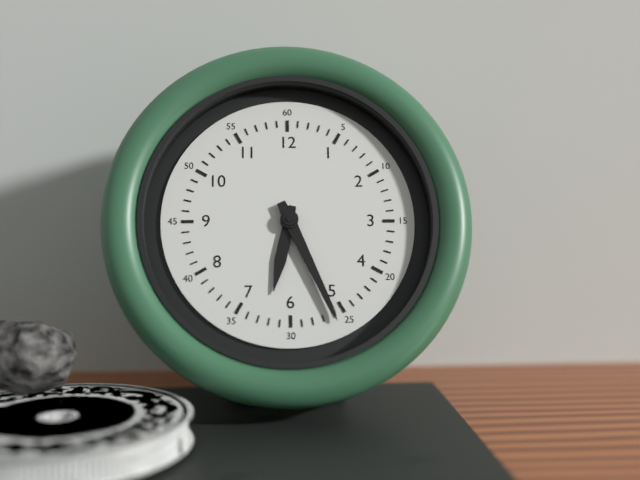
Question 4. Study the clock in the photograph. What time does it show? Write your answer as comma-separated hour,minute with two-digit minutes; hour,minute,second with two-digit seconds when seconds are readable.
6,26
